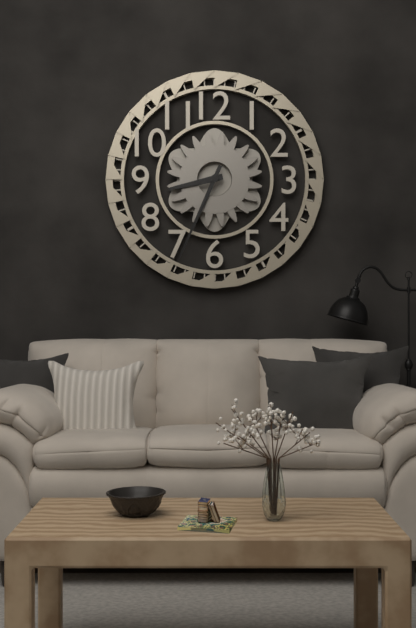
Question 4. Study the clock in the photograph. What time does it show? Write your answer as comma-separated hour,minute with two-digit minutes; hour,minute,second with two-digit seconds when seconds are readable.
8,34
